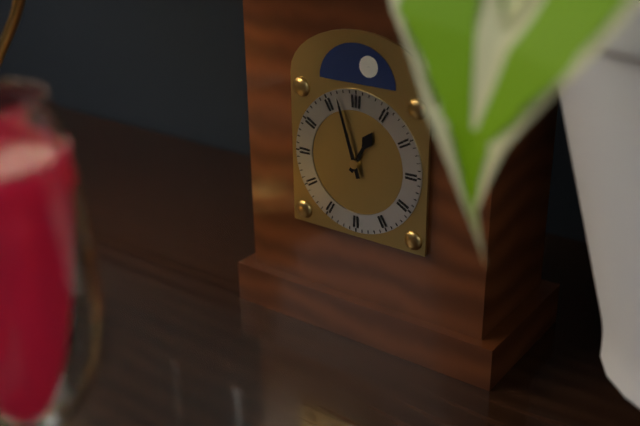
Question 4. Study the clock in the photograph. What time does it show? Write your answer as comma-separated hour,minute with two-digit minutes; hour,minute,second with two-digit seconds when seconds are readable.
12,57
